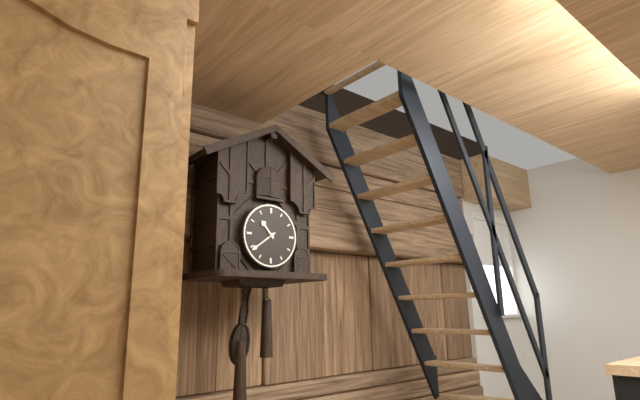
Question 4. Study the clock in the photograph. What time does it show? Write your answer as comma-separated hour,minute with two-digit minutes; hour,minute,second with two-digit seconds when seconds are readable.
10,39
